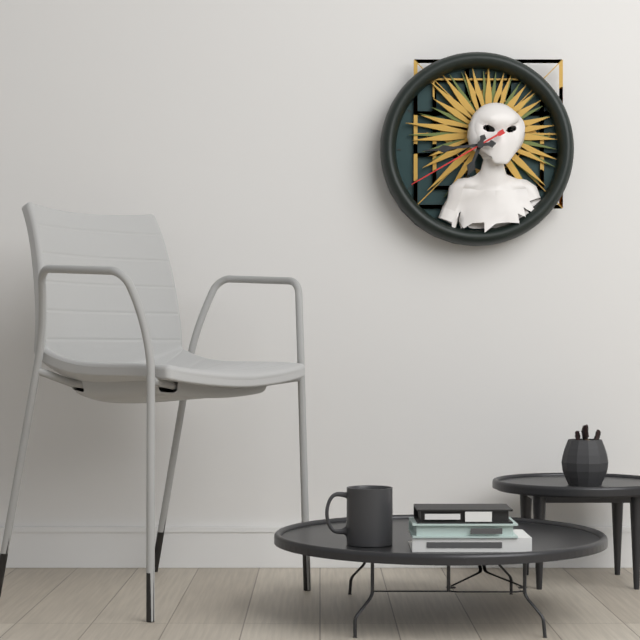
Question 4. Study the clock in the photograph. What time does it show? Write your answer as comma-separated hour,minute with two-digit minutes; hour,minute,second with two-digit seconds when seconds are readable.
6,44,40
